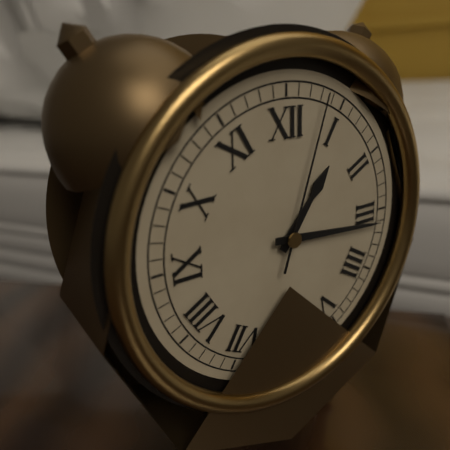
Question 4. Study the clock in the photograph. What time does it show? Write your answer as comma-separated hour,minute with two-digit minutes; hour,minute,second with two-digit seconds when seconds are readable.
1,16,03
